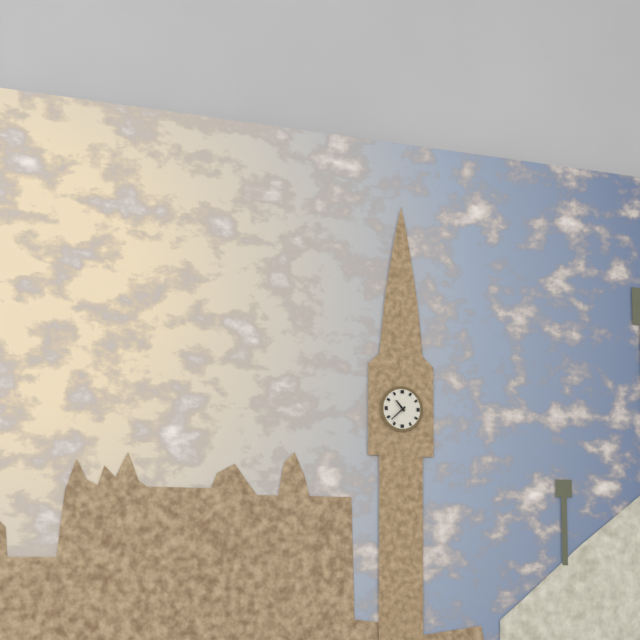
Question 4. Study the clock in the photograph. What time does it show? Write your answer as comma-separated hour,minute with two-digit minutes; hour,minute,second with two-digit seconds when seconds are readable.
10,38
